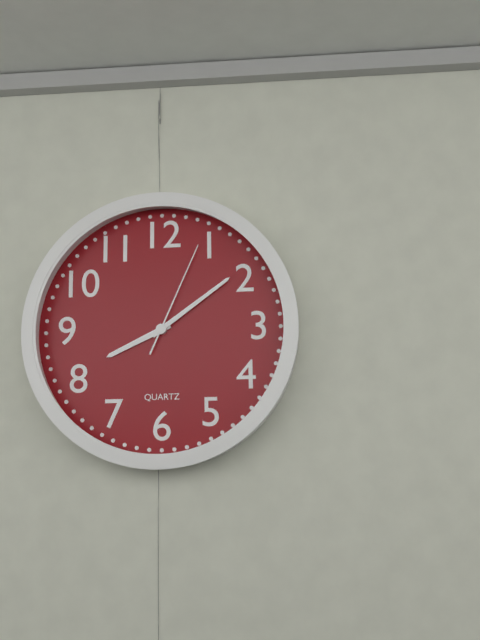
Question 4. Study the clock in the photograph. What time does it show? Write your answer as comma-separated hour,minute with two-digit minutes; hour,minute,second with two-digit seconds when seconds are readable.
8,09,04
